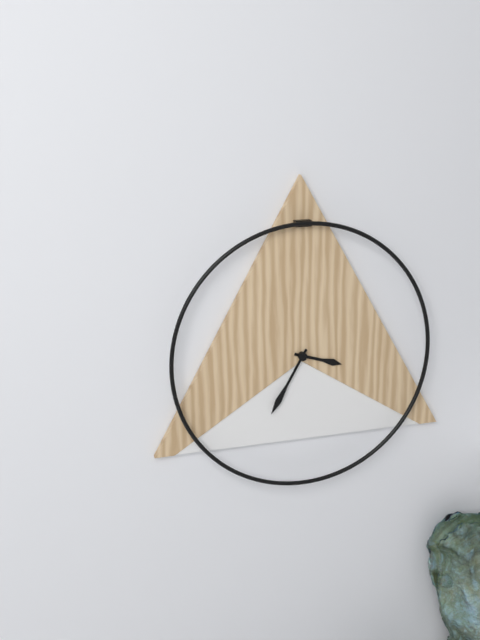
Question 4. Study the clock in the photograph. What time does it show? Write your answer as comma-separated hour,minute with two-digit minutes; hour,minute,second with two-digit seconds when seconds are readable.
3,35
